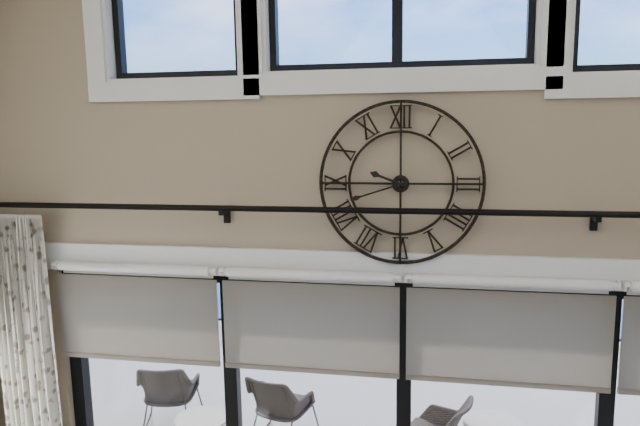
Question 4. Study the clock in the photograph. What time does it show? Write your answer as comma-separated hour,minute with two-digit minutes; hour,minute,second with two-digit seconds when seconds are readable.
9,42
